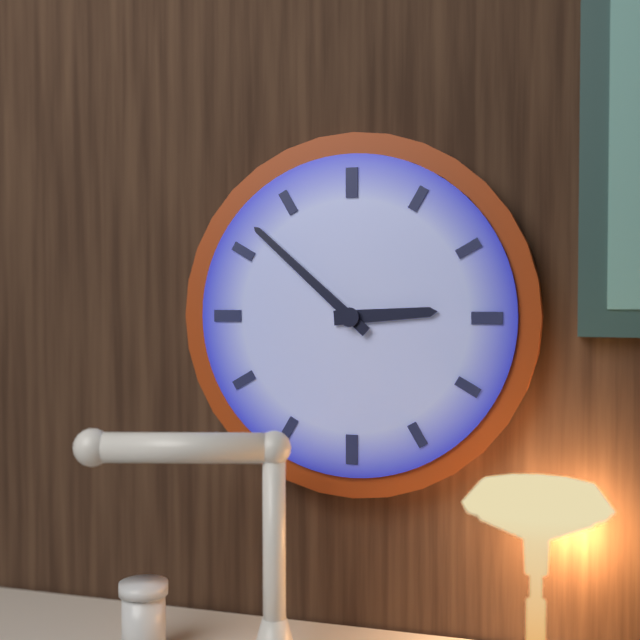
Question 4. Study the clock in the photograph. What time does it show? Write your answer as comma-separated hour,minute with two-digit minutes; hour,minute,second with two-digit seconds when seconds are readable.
2,52
